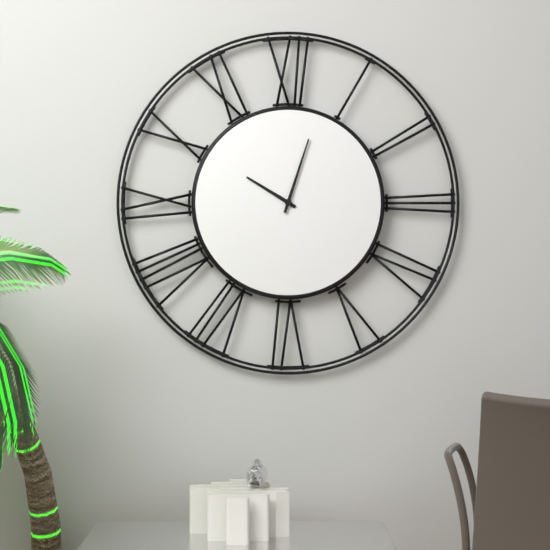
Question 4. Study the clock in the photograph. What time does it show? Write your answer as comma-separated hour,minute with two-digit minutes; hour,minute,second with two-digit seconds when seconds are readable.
10,03
